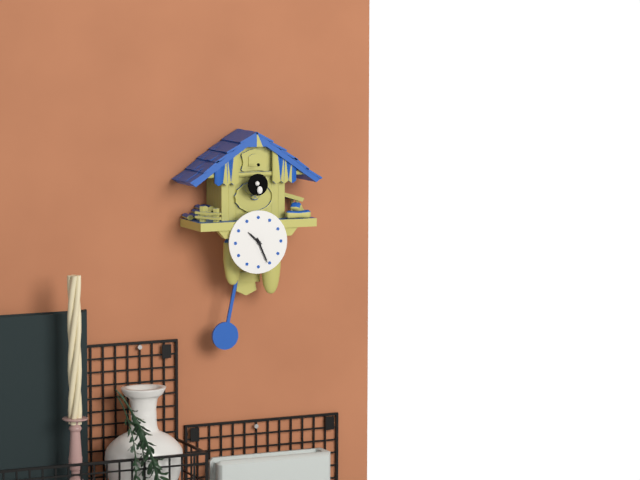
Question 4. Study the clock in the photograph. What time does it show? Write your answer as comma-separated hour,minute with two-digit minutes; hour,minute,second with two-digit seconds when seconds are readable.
10,26
